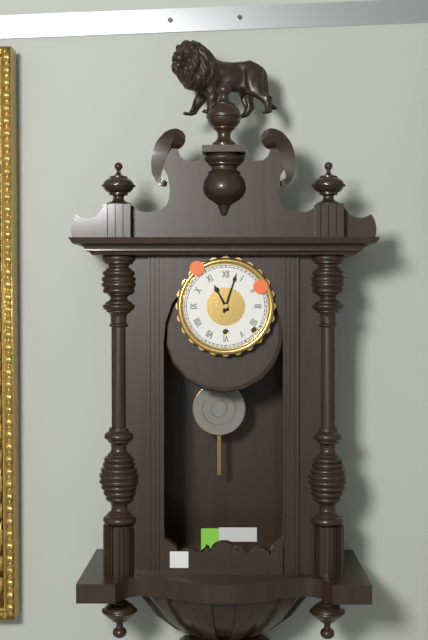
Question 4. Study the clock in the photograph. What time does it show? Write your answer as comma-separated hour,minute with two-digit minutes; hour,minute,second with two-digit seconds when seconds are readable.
11,03
